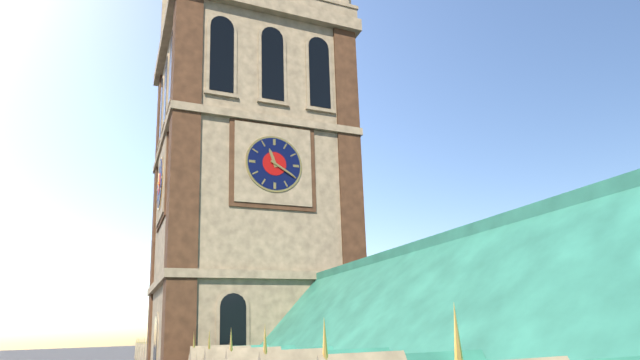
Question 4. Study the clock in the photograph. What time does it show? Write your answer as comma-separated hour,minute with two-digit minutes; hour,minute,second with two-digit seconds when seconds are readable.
11,20
